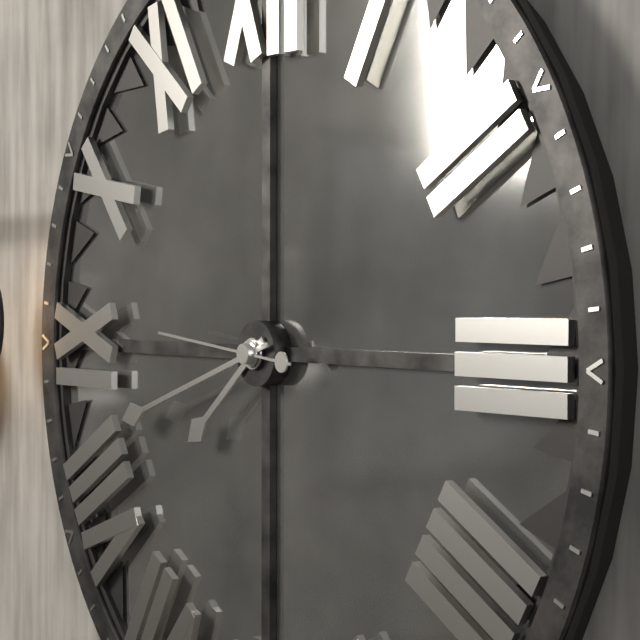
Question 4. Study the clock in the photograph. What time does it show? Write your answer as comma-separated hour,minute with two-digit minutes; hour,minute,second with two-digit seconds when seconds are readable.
7,42,46
